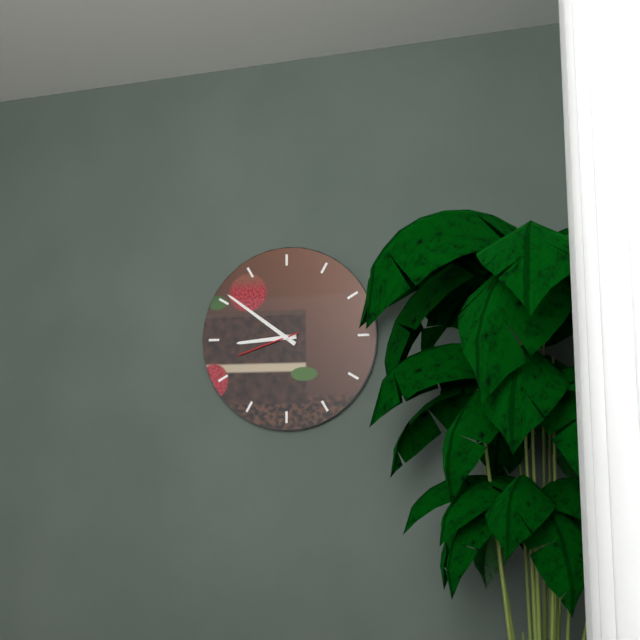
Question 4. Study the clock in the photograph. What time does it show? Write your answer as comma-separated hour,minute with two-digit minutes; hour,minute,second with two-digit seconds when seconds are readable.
8,51,42
